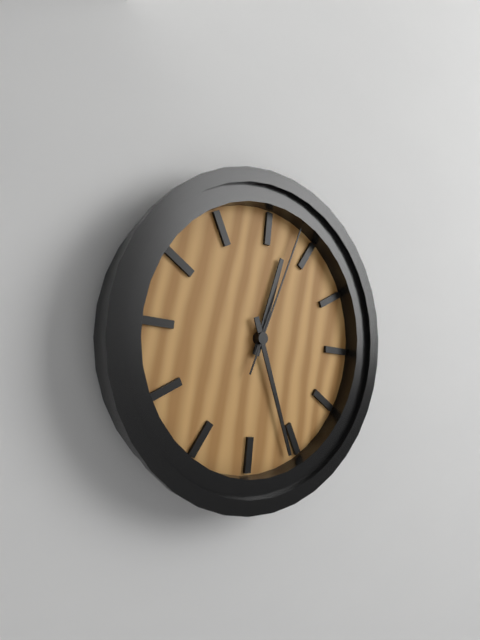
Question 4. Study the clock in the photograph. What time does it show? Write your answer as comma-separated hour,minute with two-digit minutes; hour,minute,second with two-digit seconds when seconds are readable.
12,26,03
